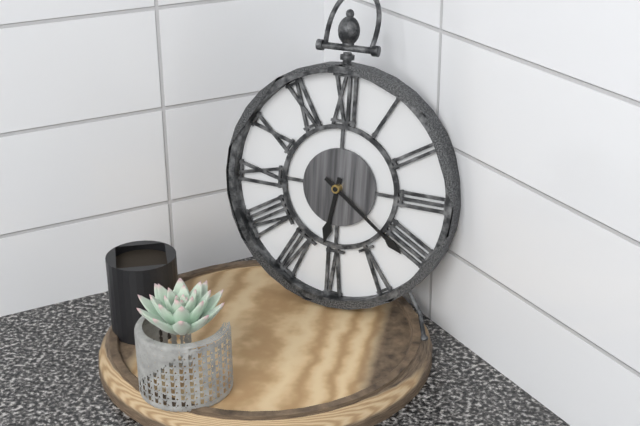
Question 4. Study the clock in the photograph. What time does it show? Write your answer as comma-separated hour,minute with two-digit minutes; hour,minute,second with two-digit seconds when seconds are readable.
6,21
